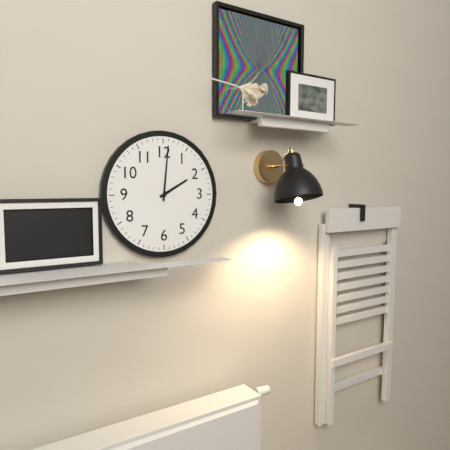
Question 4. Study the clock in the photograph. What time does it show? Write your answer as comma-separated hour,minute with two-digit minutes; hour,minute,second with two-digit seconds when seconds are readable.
2,01
